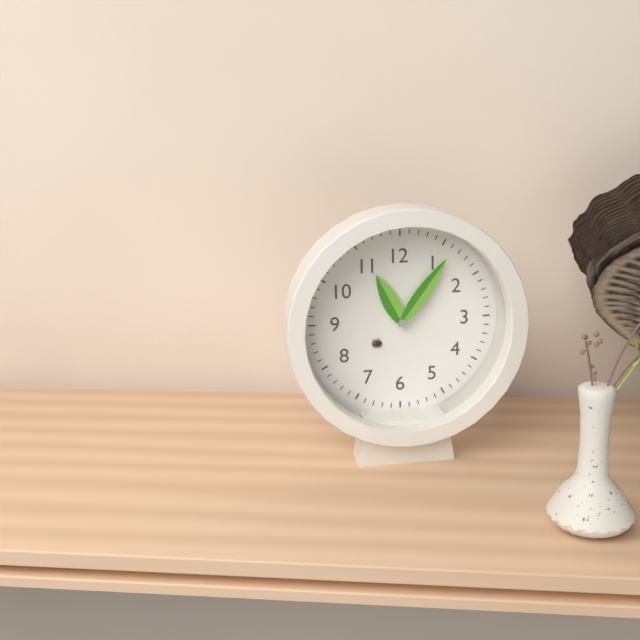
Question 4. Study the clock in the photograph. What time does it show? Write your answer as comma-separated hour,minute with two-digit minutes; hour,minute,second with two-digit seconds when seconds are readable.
11,06
